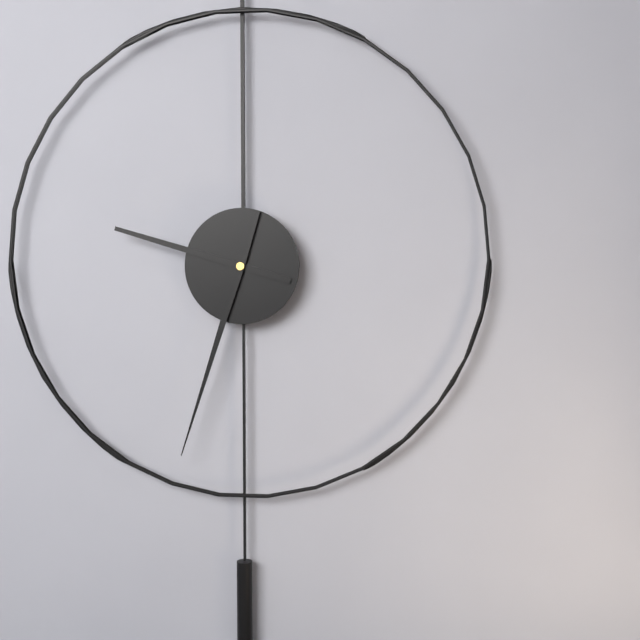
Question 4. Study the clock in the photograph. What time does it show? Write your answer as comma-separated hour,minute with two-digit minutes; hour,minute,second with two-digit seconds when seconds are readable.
9,33
